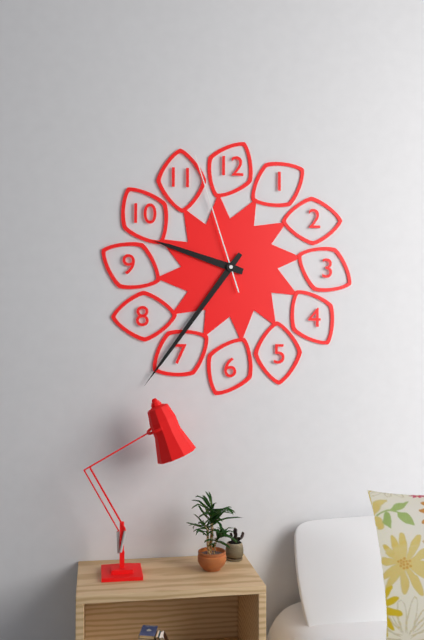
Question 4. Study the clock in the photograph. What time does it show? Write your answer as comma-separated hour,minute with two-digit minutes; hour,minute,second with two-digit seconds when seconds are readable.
9,36,57
